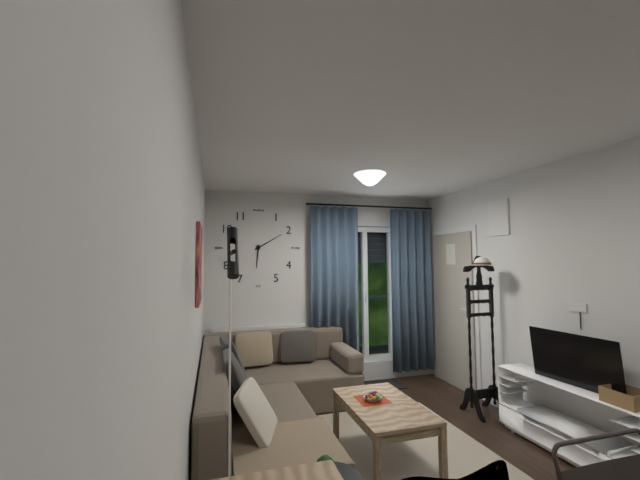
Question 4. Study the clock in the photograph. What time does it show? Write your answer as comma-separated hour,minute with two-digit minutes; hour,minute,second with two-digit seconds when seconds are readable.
6,10
